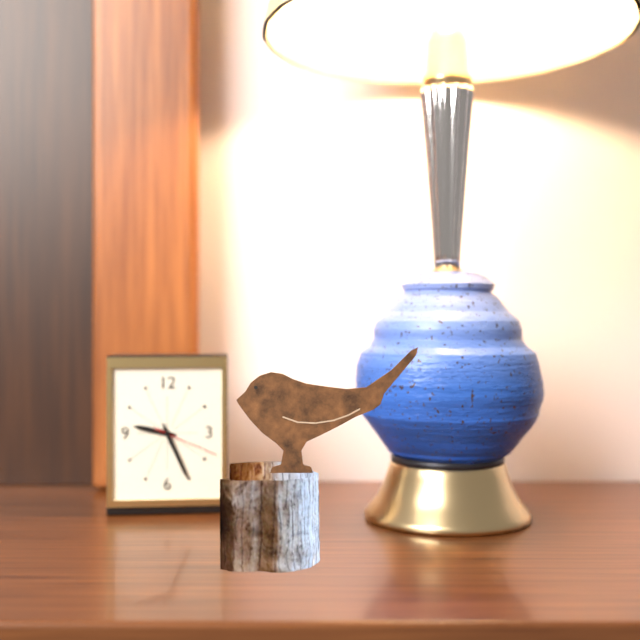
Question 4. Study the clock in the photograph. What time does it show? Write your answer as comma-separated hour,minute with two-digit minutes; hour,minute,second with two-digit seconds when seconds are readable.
9,26,19
